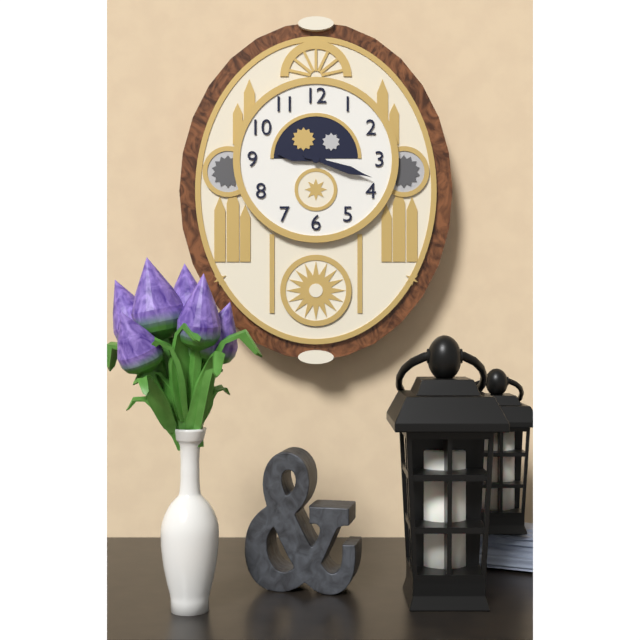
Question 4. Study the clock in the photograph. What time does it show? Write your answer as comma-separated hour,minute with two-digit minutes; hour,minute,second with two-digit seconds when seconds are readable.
9,18
